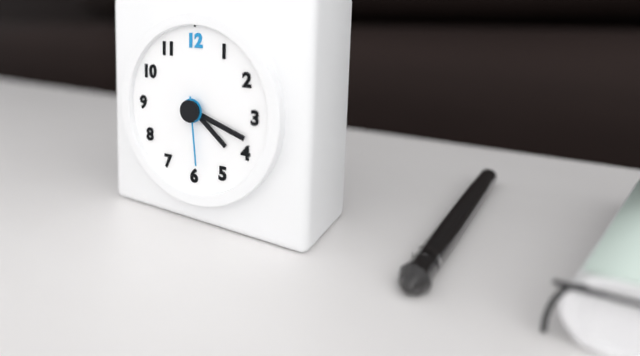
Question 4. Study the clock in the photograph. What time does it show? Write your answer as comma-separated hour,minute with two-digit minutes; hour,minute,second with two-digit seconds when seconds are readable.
4,18,29
